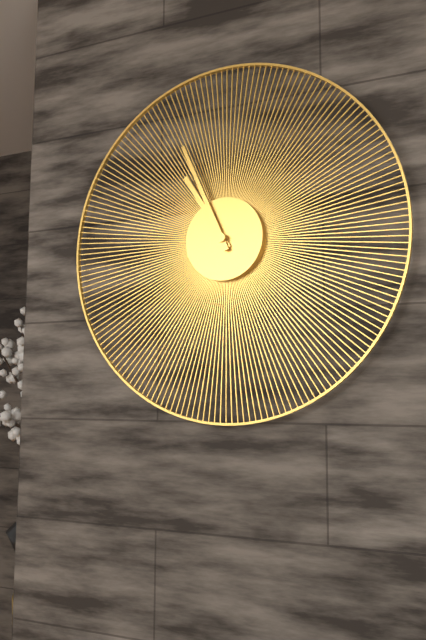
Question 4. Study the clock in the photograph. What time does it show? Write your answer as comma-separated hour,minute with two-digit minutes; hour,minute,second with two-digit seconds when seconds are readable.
10,56
